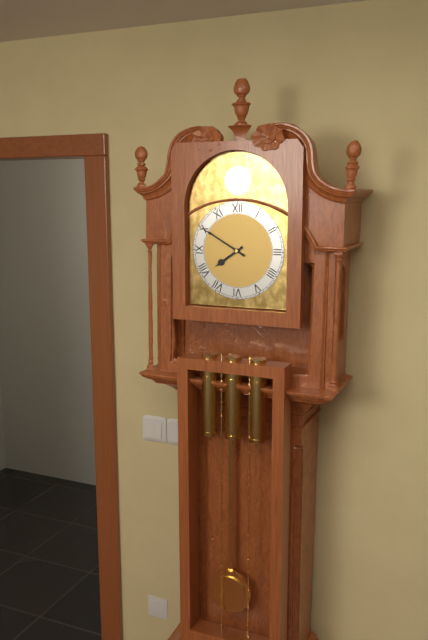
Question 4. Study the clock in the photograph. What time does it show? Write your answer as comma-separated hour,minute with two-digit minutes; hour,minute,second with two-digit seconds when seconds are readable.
7,50
